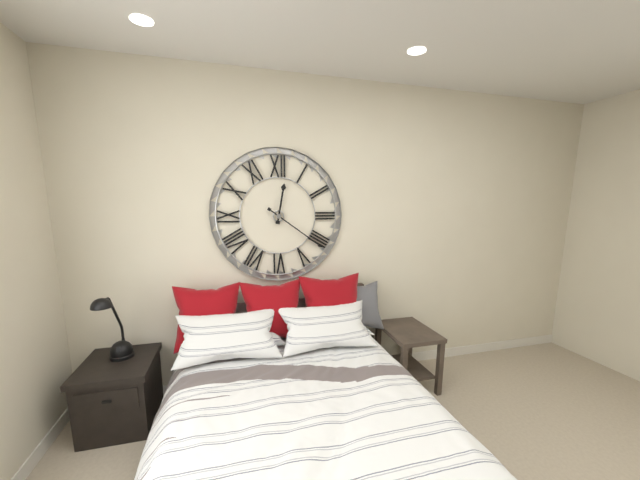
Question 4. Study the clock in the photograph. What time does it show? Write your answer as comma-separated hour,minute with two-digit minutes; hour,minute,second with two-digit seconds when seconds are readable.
12,21
